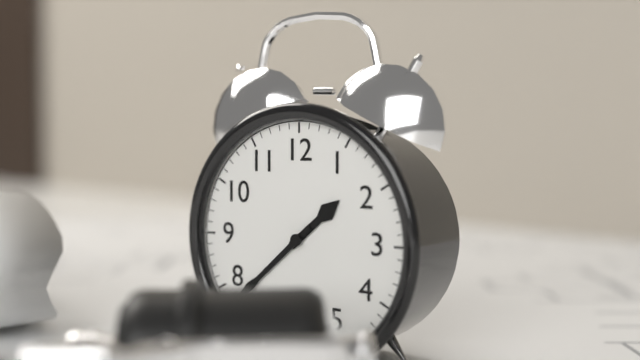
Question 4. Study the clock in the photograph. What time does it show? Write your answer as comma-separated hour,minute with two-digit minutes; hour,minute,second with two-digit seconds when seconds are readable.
1,38
